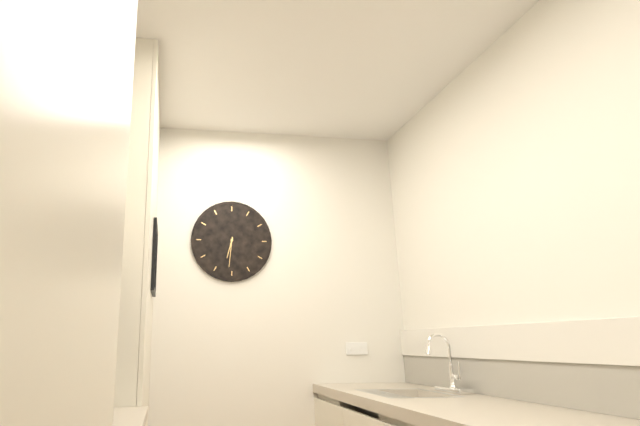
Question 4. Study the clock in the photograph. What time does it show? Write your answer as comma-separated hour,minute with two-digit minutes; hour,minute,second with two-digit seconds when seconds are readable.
6,31
